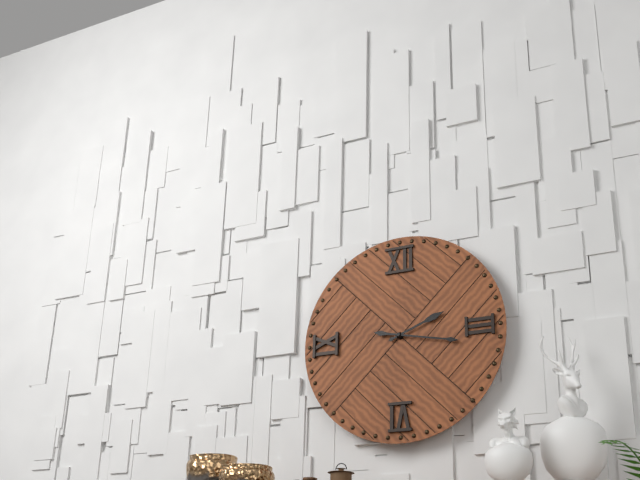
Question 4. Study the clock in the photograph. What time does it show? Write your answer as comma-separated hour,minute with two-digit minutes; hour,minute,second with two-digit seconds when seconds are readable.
2,17
